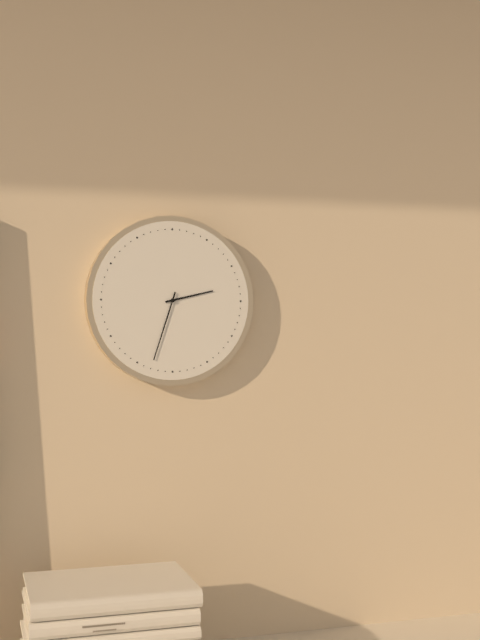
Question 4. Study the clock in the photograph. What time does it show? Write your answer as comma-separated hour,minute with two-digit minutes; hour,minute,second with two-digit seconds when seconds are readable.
2,33
